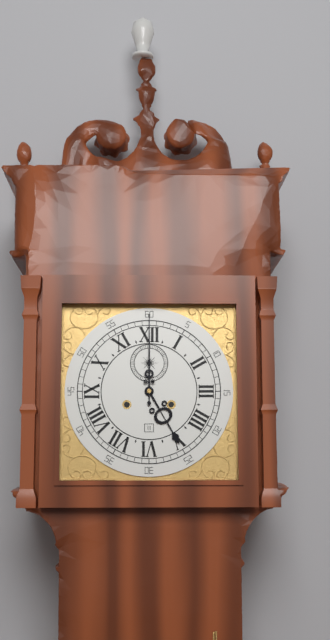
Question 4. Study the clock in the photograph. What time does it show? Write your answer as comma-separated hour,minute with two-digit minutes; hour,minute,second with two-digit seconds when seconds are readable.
5,00
